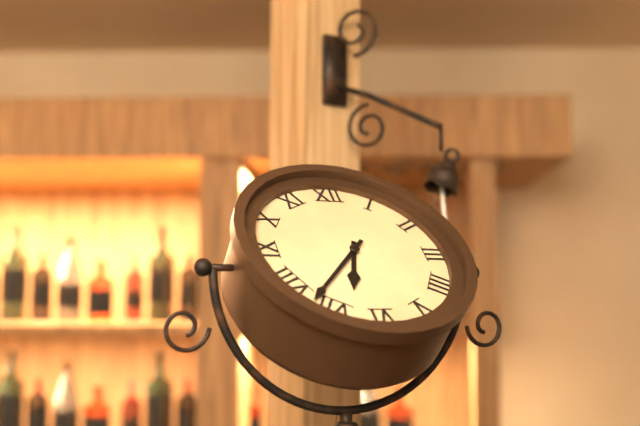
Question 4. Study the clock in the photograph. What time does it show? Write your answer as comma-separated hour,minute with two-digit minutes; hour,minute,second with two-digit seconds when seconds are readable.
6,37
